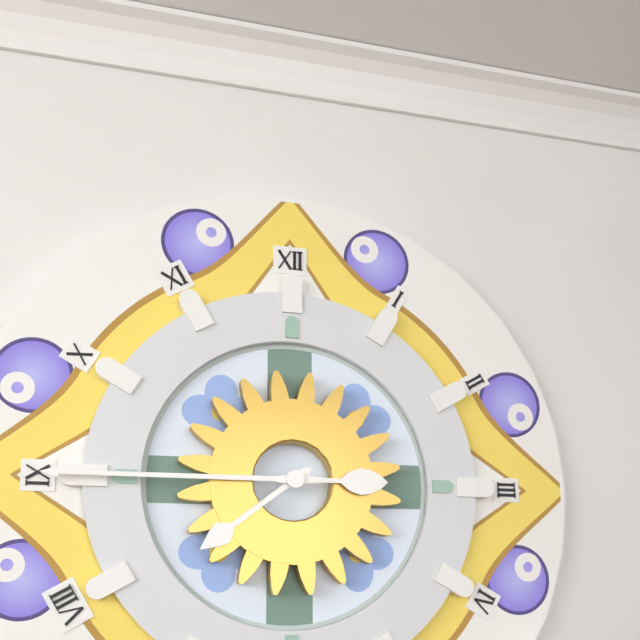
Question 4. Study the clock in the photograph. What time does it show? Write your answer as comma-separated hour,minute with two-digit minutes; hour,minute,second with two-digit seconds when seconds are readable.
7,45
